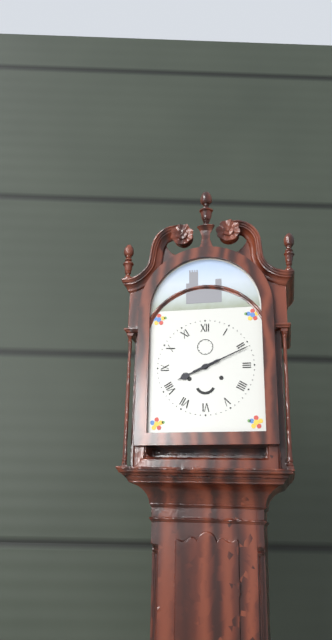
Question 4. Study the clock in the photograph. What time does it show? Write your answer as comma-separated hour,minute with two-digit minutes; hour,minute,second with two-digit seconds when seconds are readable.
8,11
